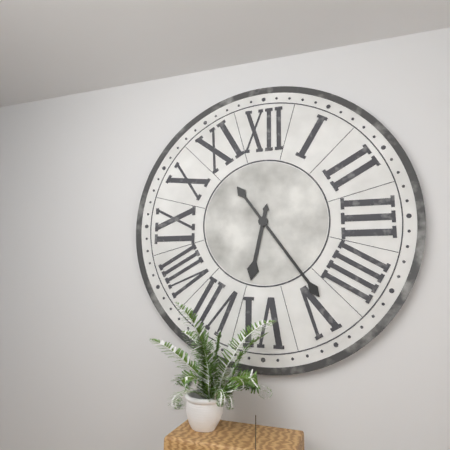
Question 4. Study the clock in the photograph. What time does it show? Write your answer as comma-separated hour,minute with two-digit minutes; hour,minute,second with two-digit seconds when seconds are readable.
6,24
